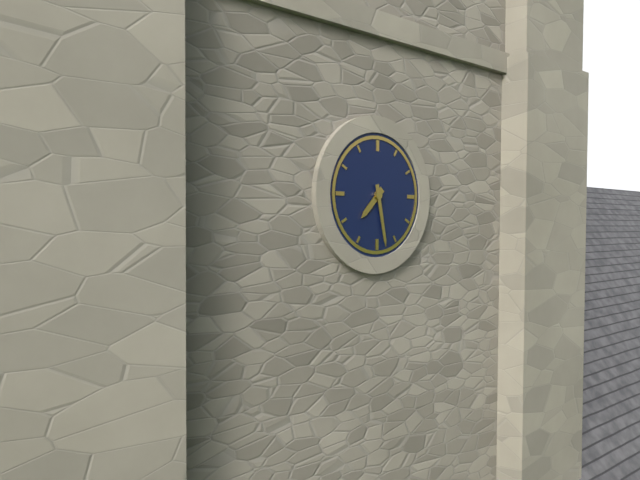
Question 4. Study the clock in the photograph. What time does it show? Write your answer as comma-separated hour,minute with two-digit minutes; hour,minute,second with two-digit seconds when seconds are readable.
7,28
